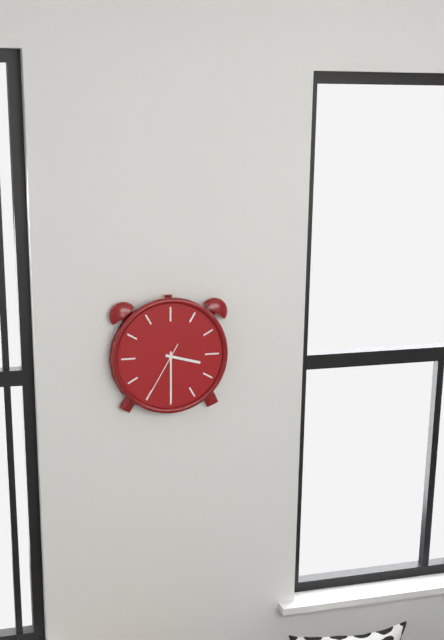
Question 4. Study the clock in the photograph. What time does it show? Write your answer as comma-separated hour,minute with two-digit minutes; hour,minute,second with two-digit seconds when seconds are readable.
3,30,35
